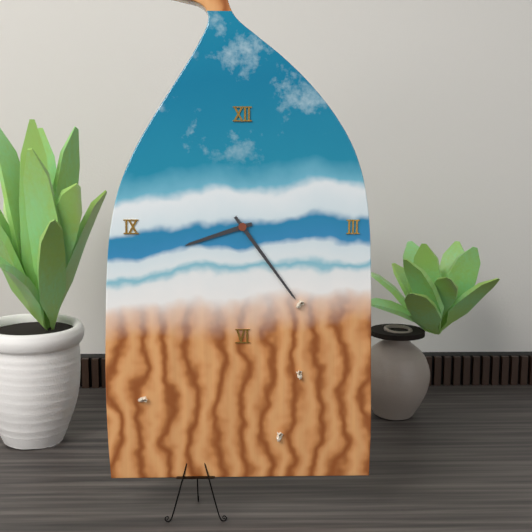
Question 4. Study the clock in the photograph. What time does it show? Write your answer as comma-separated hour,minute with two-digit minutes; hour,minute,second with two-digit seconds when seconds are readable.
8,24
